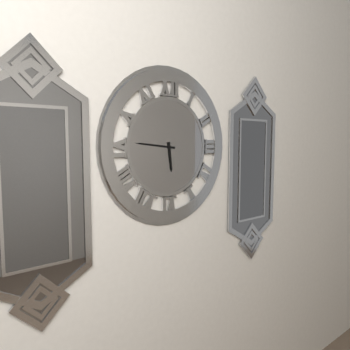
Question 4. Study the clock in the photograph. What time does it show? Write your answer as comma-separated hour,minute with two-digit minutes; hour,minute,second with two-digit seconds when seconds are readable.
5,46
